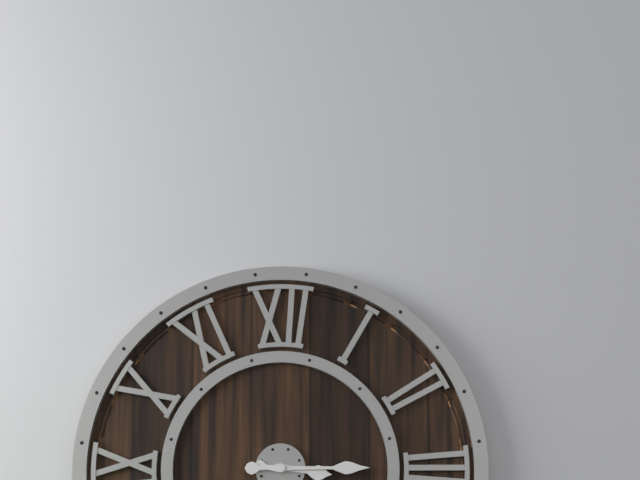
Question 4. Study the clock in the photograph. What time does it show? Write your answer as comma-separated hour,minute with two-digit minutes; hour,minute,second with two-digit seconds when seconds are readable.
3,15
